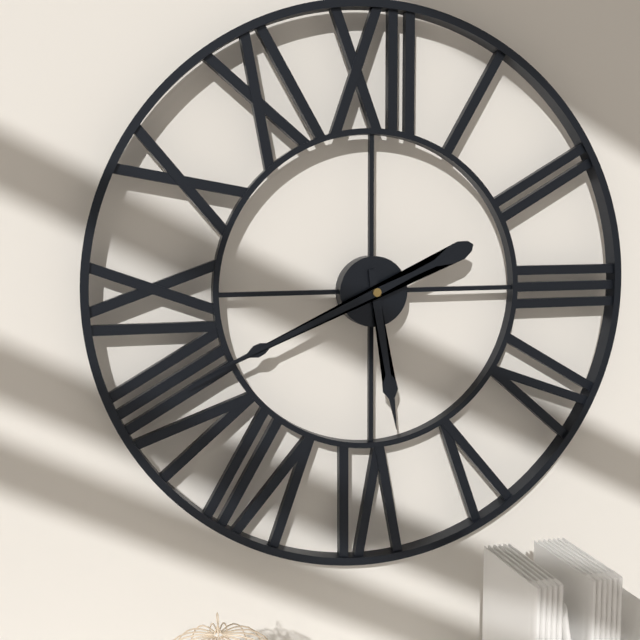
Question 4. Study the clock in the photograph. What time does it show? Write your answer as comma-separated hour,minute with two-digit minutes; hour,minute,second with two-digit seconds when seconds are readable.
5,41
